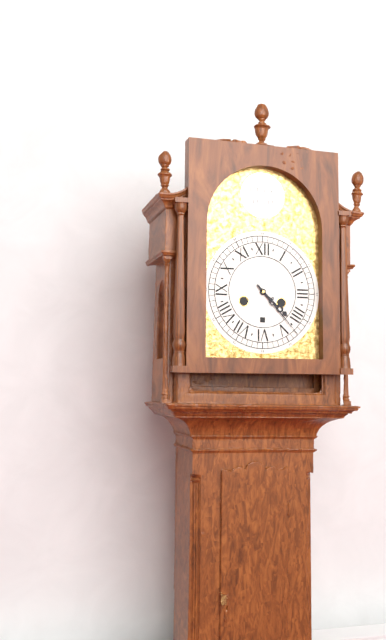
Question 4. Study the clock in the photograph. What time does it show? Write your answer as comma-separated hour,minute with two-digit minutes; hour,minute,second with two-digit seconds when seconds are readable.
4,23
